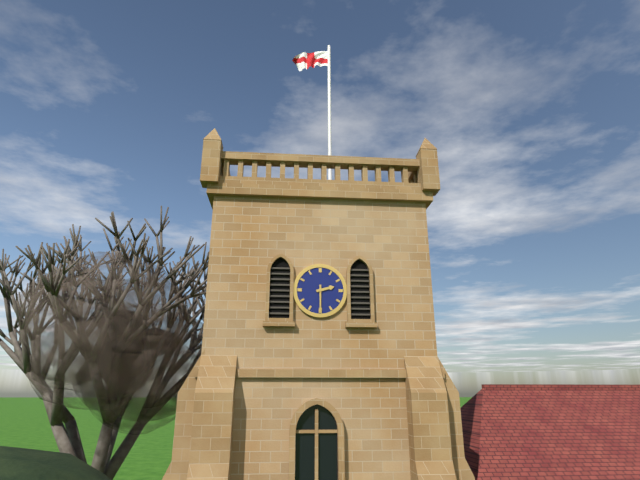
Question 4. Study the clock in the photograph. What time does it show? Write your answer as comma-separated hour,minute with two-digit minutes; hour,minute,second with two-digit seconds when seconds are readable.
2,30
